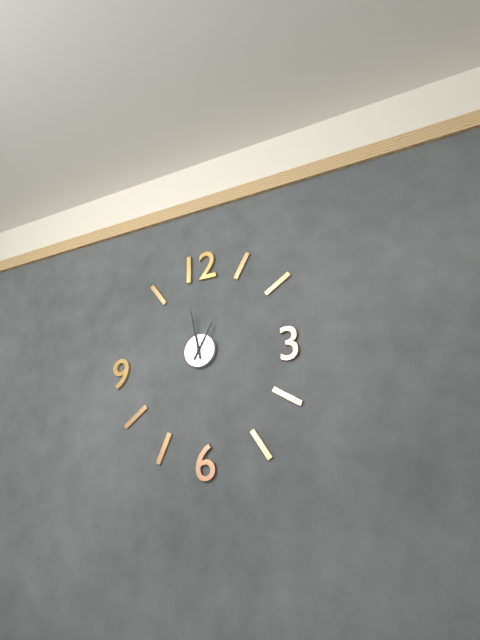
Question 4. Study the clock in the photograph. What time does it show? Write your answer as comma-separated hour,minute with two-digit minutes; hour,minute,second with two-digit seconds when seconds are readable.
12,58
